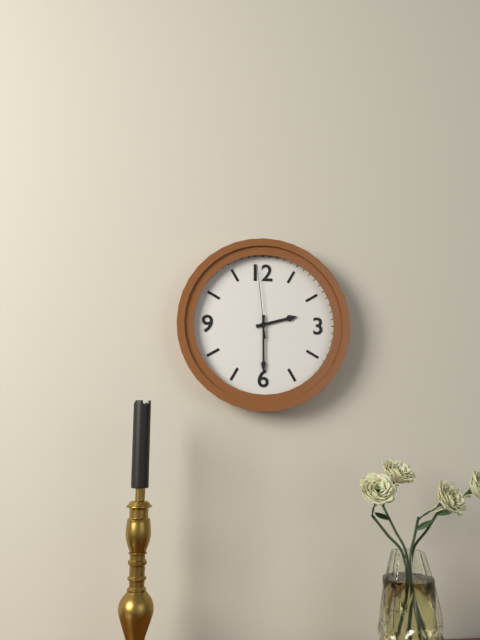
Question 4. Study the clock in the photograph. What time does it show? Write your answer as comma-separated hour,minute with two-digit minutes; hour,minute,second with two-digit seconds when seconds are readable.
2,30,59
